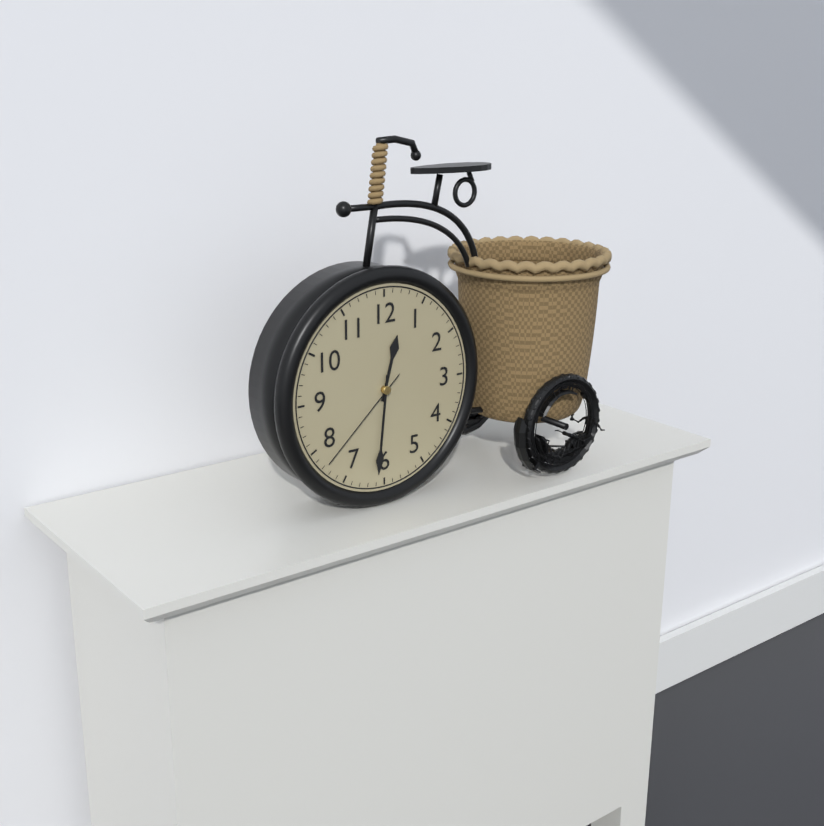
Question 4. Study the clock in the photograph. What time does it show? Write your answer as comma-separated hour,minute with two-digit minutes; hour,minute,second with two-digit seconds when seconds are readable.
12,31,38
